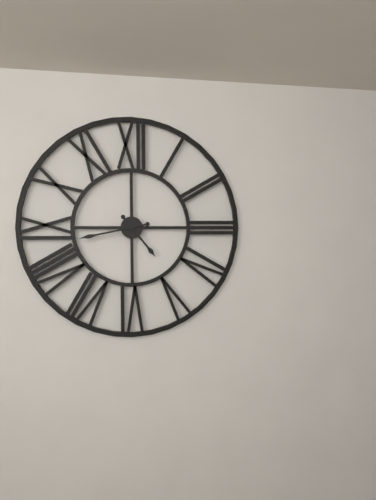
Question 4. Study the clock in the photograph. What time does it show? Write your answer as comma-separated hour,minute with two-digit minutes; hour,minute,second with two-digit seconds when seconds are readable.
4,43
